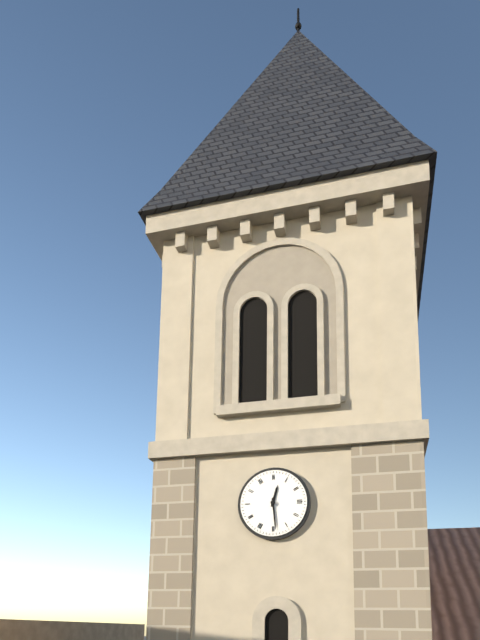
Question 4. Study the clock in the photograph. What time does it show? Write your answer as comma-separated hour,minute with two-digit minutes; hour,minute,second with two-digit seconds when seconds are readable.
12,29
